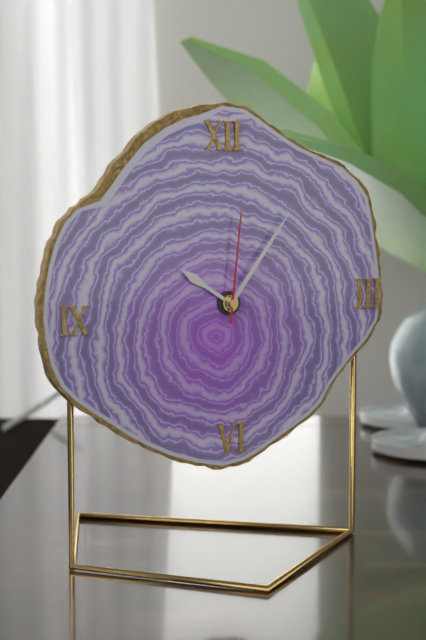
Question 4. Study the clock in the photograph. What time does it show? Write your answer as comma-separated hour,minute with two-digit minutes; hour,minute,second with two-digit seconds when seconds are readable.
10,06,01
